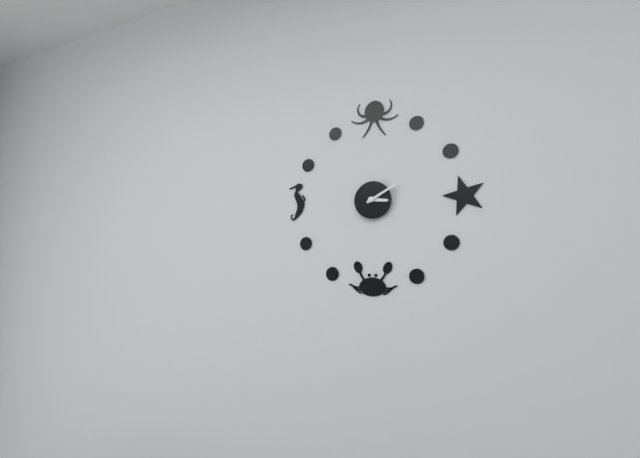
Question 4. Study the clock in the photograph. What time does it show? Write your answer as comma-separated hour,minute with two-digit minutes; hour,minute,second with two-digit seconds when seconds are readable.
3,10
